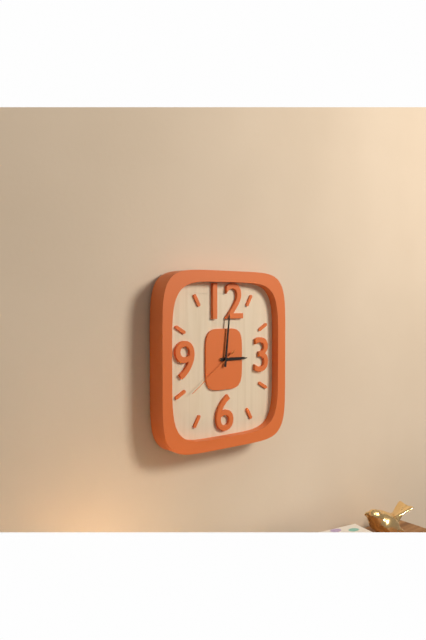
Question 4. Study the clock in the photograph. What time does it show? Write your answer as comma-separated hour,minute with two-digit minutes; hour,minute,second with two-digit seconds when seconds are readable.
3,01,39
